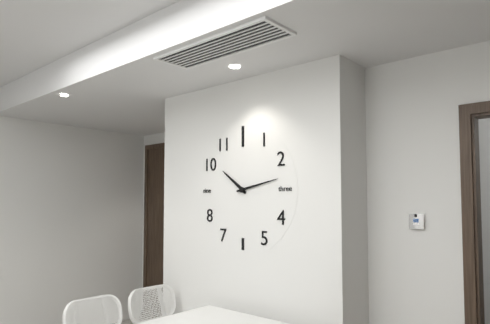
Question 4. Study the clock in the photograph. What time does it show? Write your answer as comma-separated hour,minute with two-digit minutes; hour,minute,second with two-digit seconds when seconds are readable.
10,13
